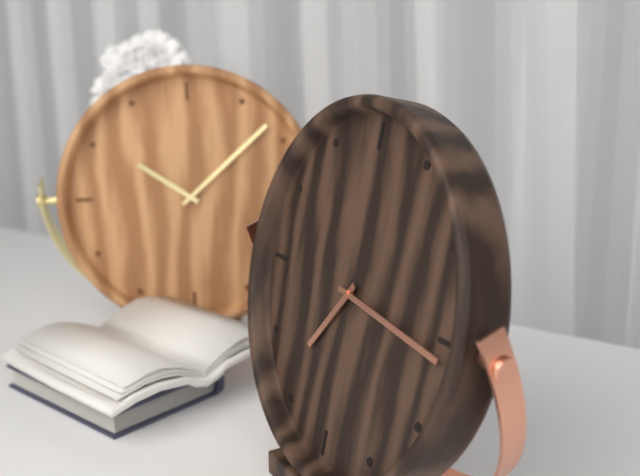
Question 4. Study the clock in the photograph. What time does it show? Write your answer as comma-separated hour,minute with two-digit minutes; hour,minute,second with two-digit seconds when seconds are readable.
7,16
